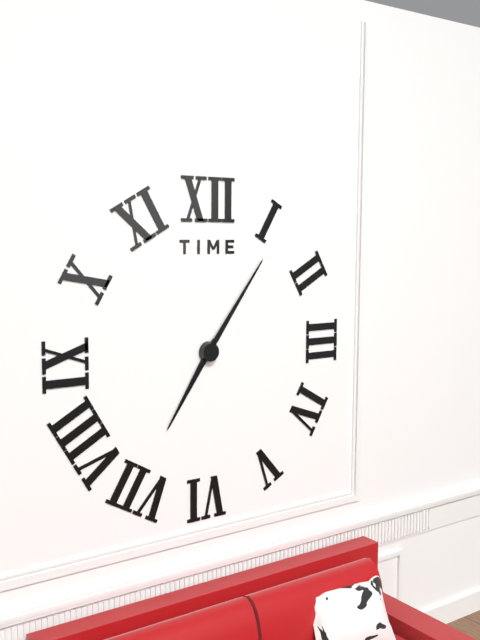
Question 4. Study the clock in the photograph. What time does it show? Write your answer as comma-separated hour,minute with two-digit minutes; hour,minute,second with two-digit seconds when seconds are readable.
7,06
